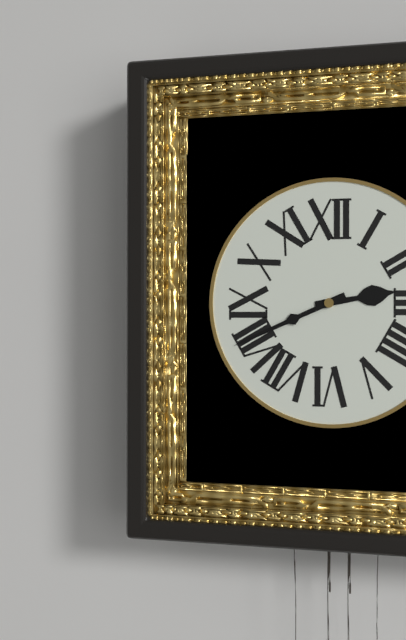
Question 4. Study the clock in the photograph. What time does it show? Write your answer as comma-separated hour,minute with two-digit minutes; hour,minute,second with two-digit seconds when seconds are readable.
2,41
